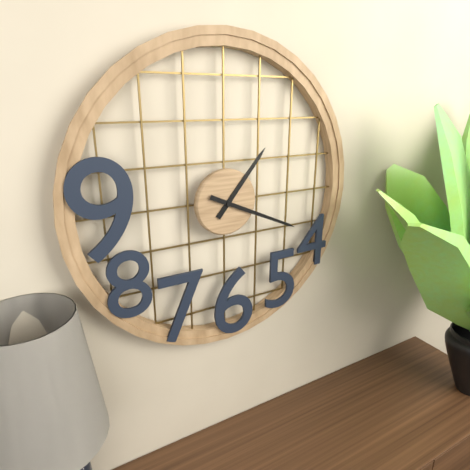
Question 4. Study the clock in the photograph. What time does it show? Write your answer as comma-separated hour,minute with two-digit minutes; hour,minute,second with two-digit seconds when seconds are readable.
1,19
